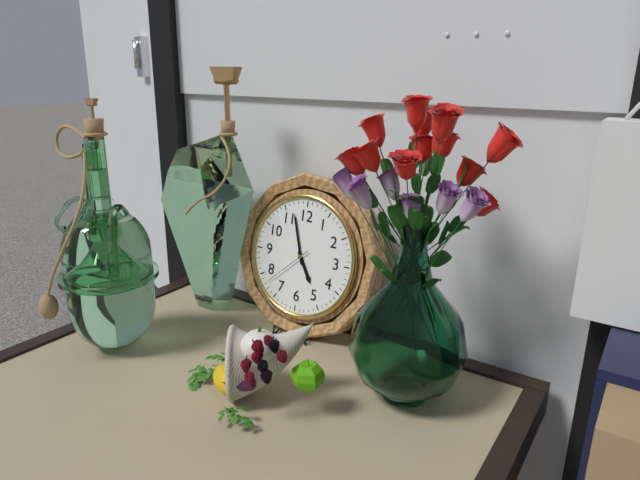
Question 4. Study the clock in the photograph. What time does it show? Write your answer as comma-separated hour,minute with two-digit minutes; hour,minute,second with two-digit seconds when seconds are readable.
4,57
